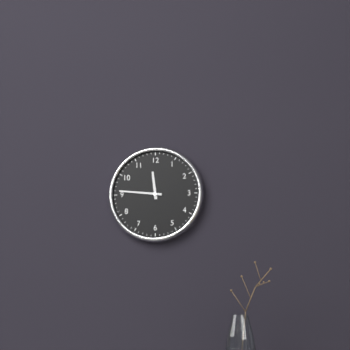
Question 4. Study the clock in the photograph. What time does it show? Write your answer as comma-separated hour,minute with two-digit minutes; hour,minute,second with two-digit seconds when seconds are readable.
11,46
